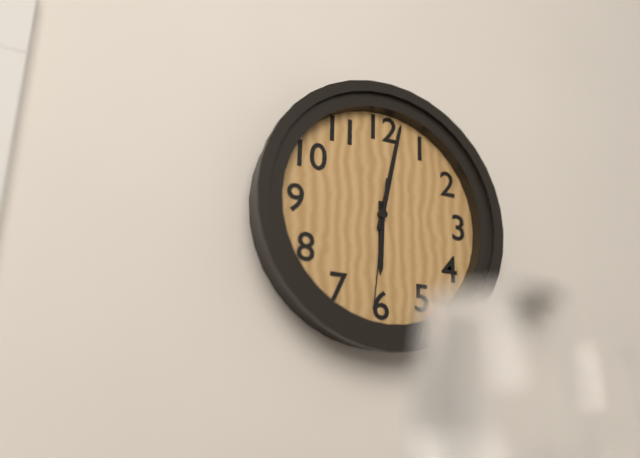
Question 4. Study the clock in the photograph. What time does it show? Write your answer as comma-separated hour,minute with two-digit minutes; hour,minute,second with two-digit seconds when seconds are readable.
6,02,31
